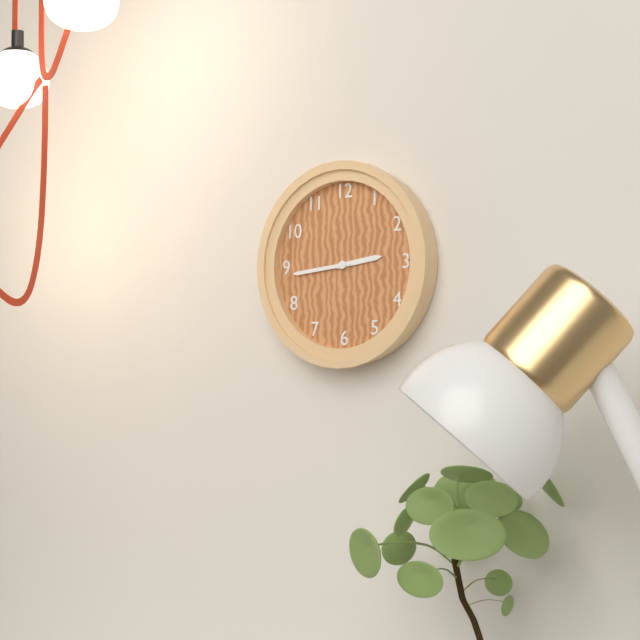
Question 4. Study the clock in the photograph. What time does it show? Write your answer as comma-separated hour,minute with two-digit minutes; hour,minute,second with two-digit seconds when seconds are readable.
2,44
